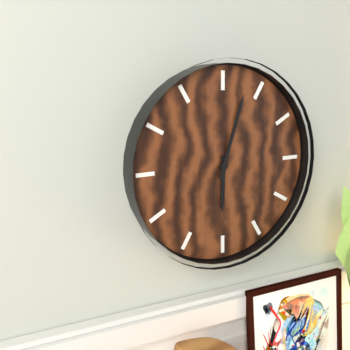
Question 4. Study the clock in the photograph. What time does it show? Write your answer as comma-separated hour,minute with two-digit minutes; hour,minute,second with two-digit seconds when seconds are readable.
6,03
